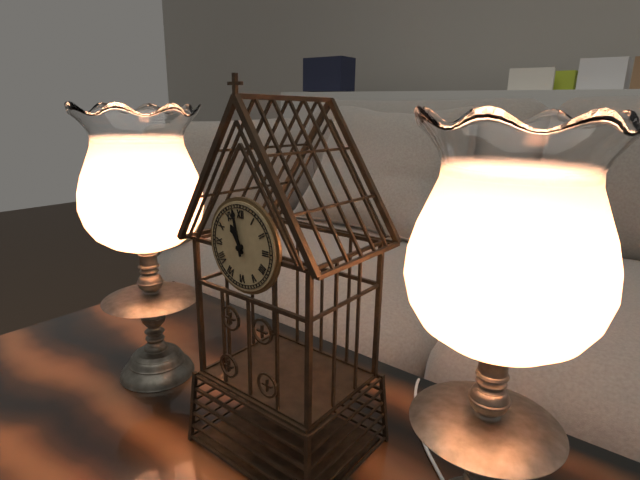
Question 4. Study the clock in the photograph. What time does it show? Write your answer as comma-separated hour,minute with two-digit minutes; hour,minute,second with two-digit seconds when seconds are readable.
10,58
